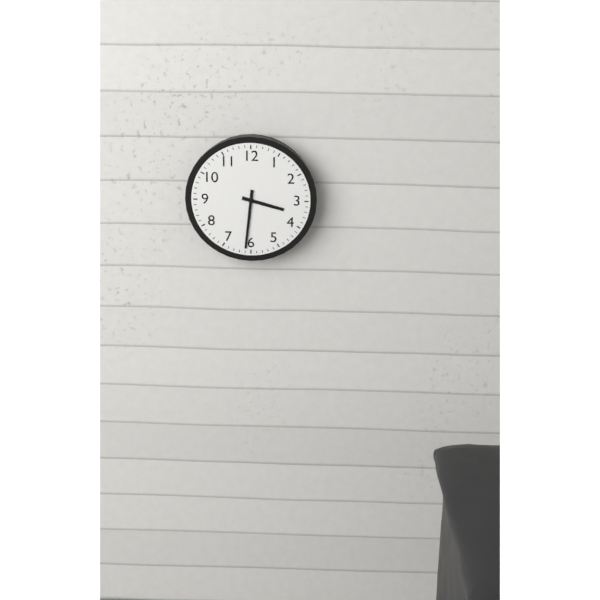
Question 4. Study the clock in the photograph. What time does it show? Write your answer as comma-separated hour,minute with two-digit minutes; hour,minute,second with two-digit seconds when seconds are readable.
3,31
